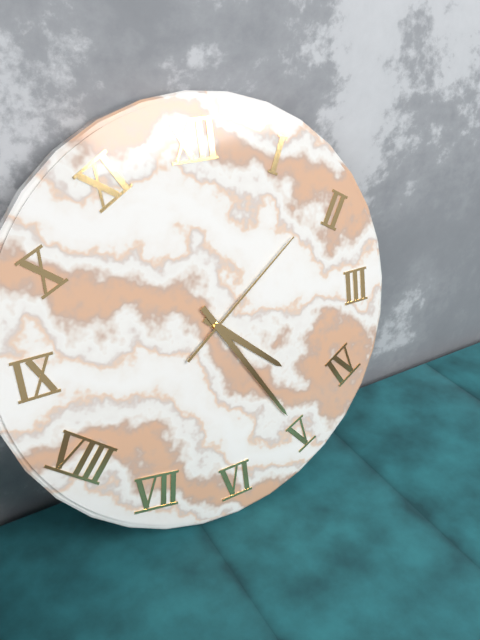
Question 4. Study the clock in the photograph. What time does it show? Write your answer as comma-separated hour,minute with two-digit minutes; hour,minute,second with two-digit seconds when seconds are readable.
4,25,09
